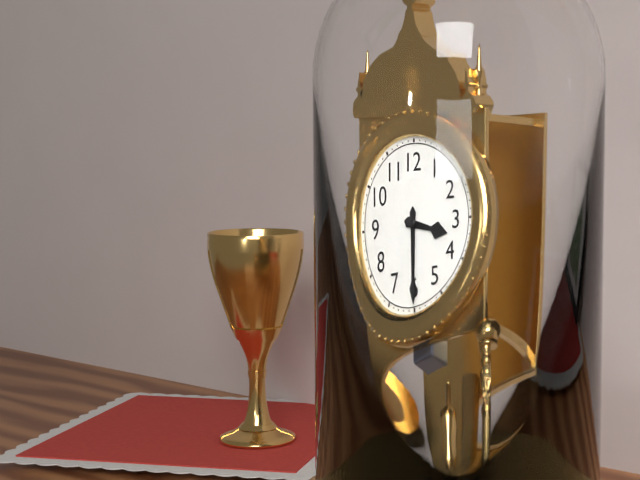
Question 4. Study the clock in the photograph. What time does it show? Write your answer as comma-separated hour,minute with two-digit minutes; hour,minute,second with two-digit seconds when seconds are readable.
3,30
